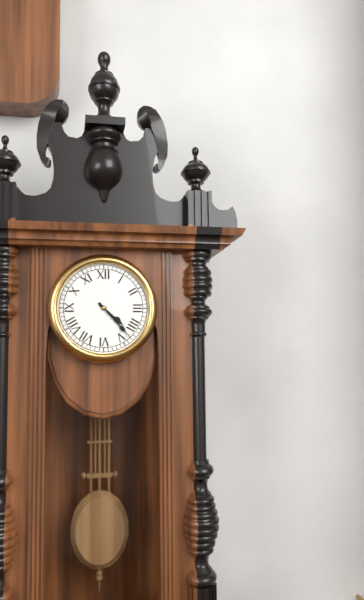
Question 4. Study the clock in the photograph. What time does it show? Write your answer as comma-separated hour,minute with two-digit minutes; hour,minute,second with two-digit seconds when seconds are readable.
4,23
